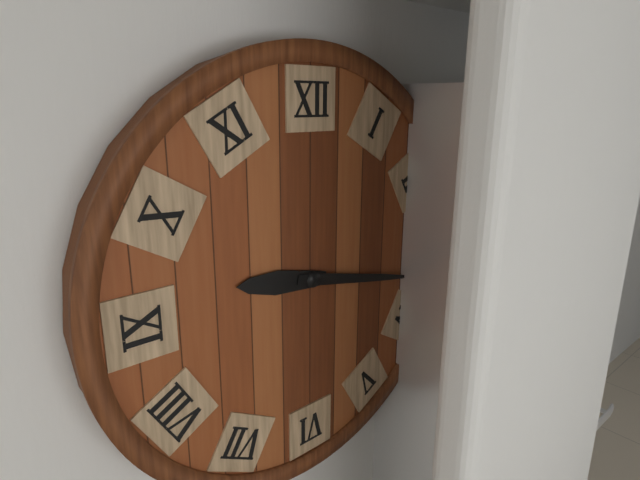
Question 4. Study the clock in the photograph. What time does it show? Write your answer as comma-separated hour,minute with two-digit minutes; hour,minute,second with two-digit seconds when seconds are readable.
9,17
